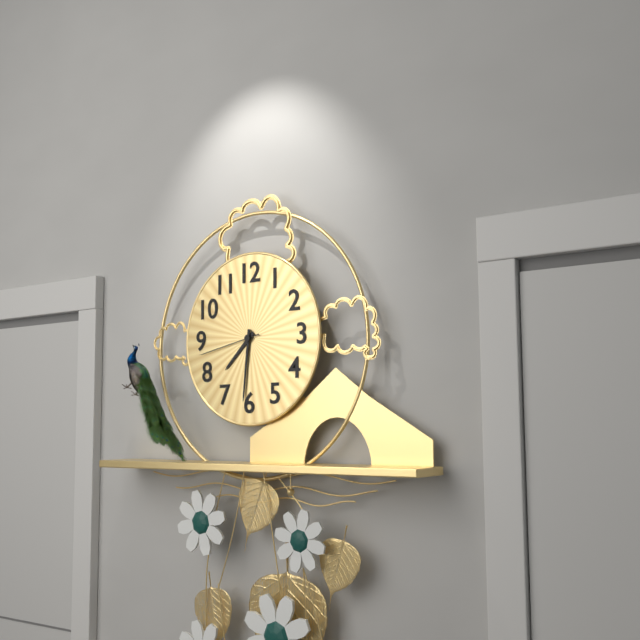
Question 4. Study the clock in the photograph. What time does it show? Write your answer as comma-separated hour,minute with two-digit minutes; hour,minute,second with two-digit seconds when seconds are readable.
7,31,43
